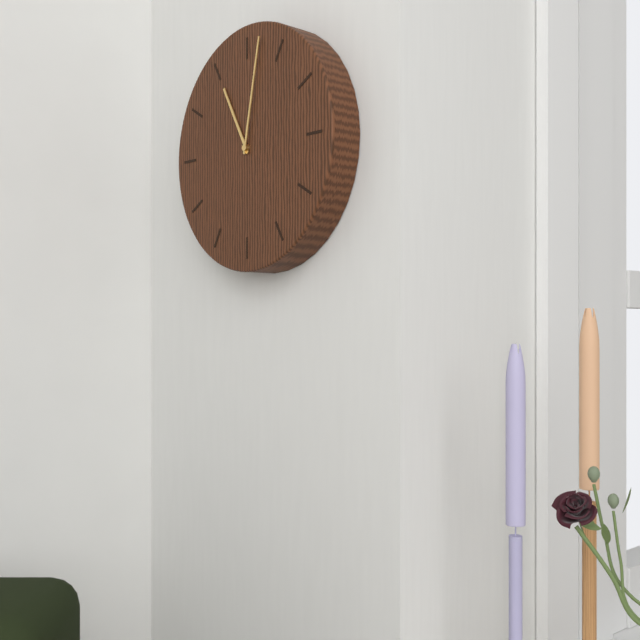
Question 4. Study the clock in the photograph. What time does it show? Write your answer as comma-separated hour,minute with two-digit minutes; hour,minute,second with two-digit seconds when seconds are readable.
11,02
